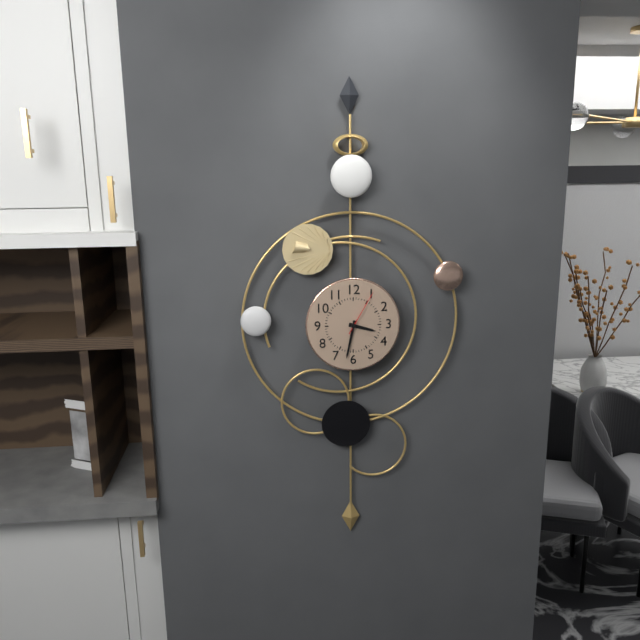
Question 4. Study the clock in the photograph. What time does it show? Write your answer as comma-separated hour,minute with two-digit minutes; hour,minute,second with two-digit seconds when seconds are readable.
3,32
